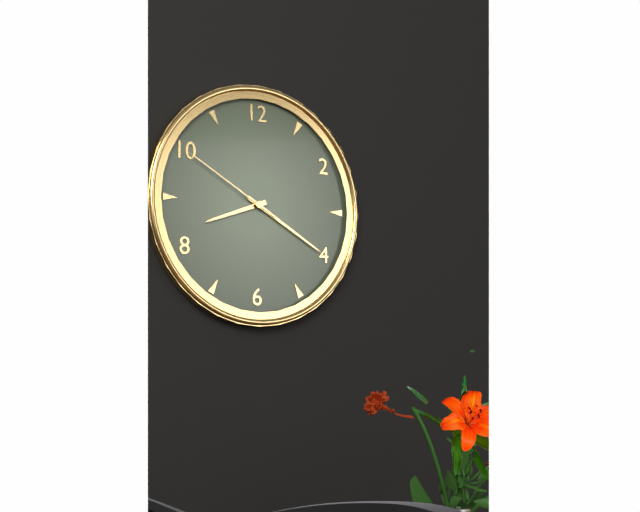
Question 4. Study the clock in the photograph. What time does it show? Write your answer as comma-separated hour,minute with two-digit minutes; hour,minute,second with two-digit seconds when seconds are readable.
8,20,50
